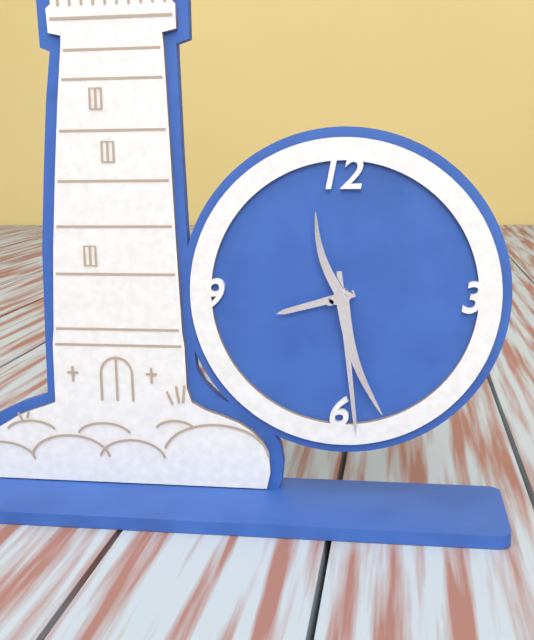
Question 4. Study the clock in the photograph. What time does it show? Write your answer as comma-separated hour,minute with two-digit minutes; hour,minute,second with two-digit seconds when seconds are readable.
8,29,27
